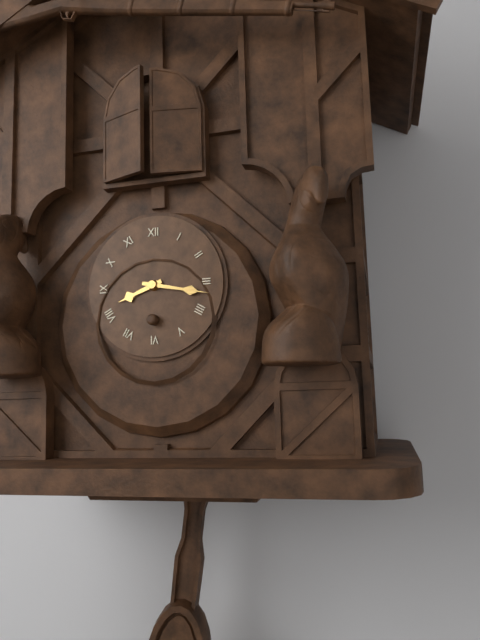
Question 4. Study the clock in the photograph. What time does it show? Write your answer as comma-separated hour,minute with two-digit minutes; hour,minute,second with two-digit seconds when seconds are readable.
8,17
